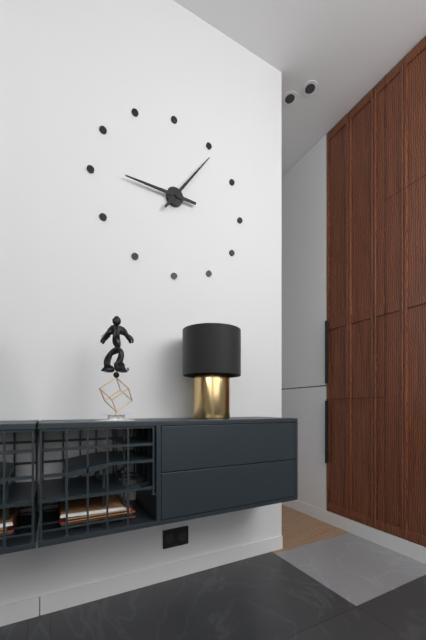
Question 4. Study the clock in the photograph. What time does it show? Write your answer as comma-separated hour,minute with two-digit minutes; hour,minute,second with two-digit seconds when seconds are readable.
9,06
